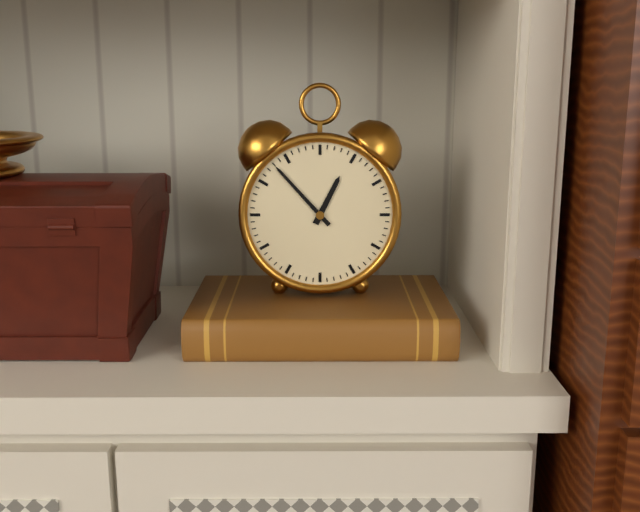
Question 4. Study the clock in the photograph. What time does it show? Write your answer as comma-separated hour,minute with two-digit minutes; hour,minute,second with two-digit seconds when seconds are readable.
12,53
